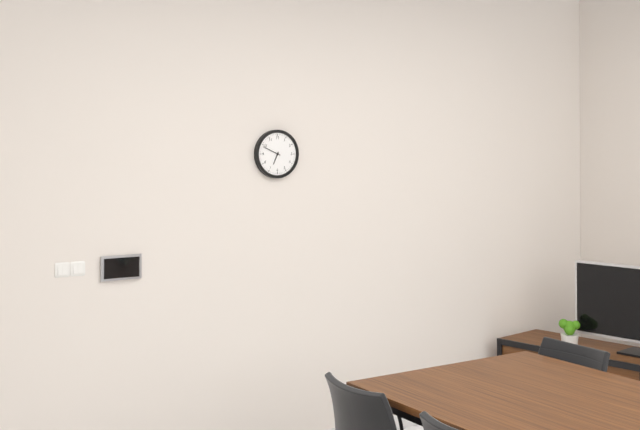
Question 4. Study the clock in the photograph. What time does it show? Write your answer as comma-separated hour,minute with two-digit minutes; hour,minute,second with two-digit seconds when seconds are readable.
6,49
